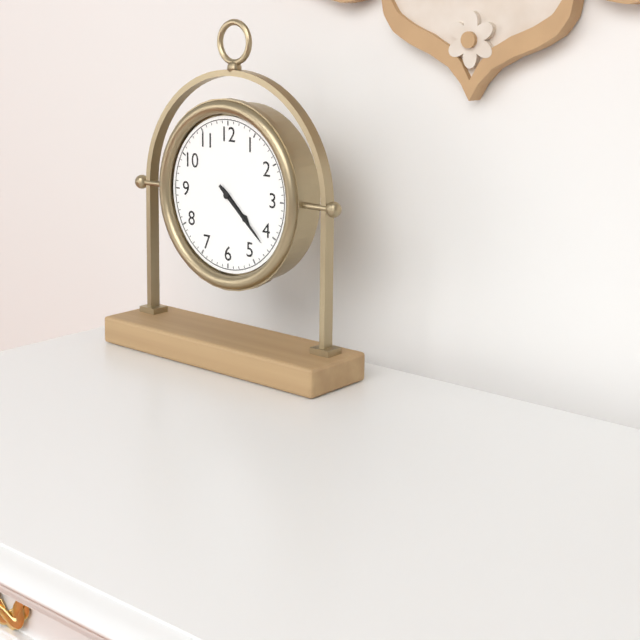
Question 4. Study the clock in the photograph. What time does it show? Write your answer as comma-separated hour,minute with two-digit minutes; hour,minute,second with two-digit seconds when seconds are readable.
4,22
